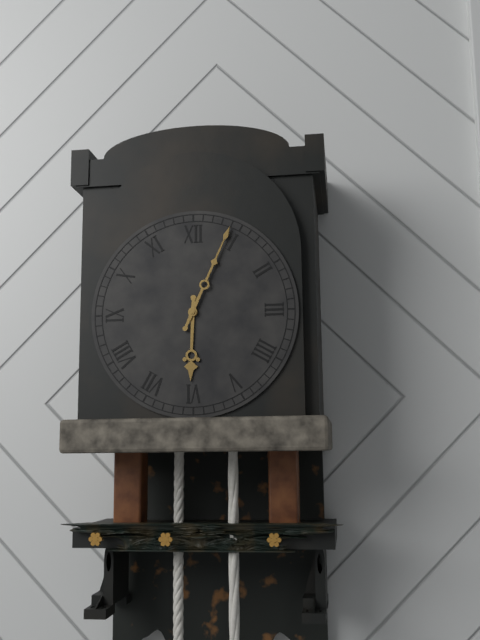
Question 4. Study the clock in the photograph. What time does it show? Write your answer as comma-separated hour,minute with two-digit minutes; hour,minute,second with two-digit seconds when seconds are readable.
6,04
